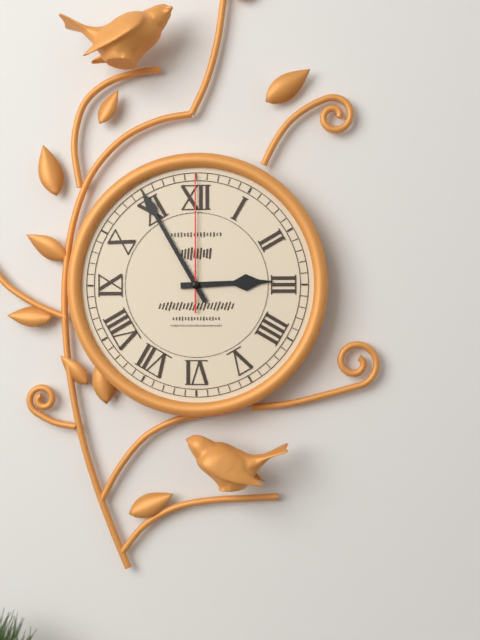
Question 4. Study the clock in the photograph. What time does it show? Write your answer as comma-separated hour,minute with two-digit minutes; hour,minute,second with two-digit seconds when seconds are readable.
2,55,00
